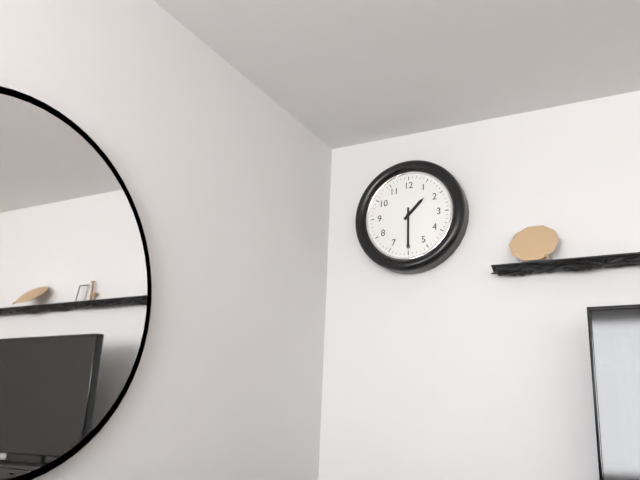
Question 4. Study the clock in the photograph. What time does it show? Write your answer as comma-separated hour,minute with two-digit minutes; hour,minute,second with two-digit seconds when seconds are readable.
1,30
